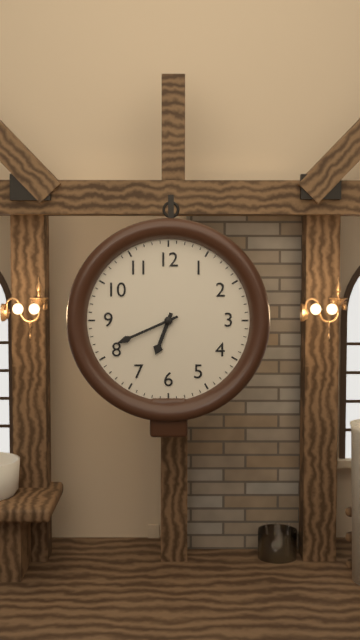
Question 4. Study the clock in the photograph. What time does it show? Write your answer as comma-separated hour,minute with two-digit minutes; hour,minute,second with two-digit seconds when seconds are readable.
6,41
